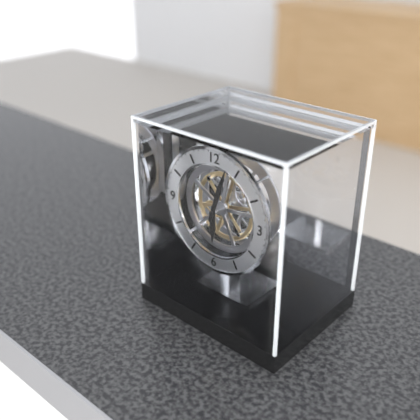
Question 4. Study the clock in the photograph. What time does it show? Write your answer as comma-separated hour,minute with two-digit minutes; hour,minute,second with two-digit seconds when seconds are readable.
6,03
